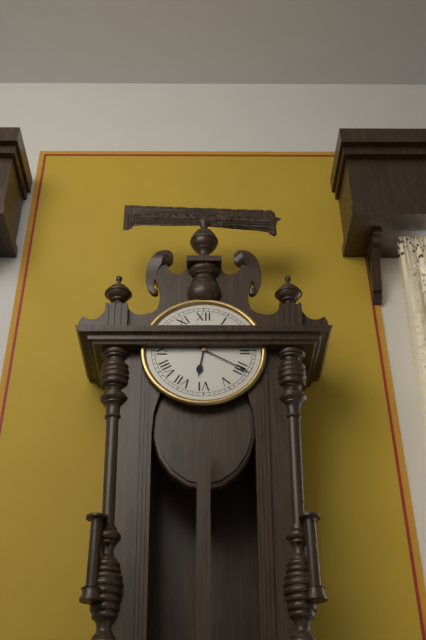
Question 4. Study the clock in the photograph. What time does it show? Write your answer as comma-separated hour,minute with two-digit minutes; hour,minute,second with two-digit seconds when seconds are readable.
6,20
